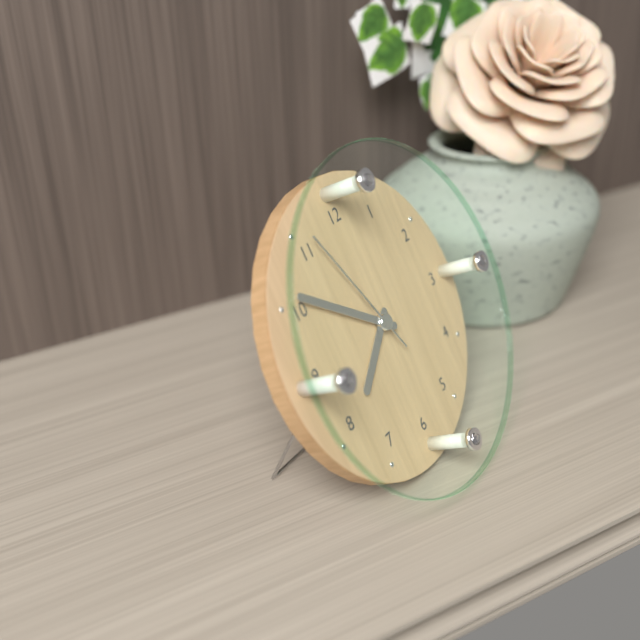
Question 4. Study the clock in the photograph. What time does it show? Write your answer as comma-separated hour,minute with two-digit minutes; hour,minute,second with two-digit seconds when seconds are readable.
7,51,56
